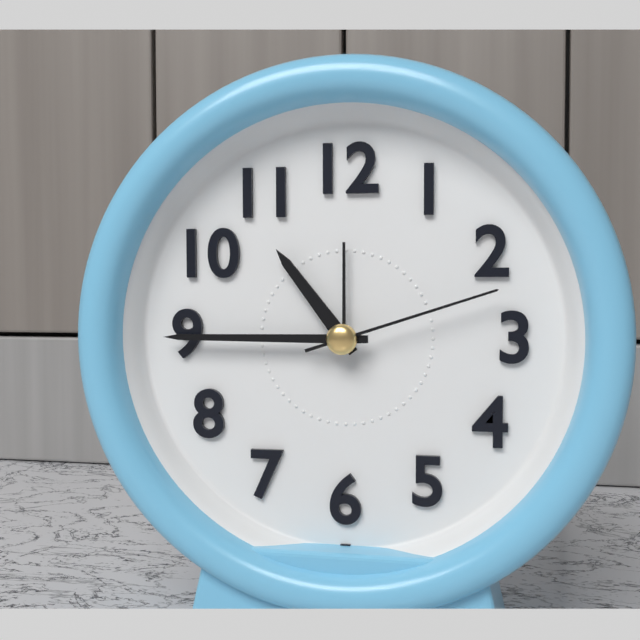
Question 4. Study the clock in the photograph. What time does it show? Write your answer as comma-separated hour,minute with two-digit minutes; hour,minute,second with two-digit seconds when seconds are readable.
10,45,12
